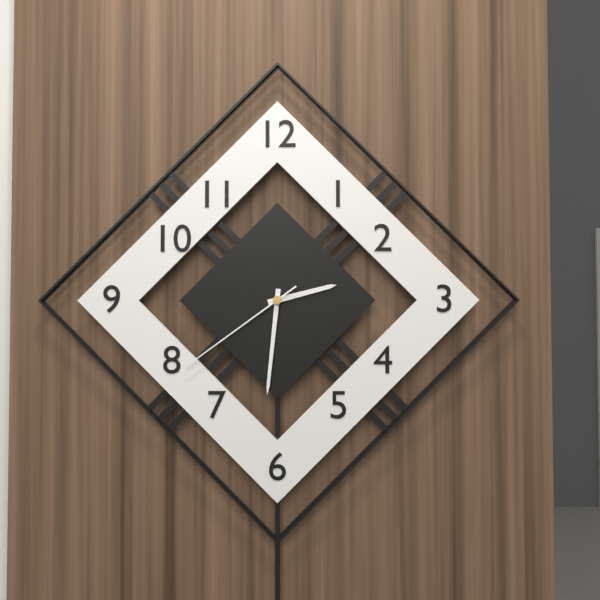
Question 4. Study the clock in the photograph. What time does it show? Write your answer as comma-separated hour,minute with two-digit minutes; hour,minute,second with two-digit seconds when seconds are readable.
2,31,39
